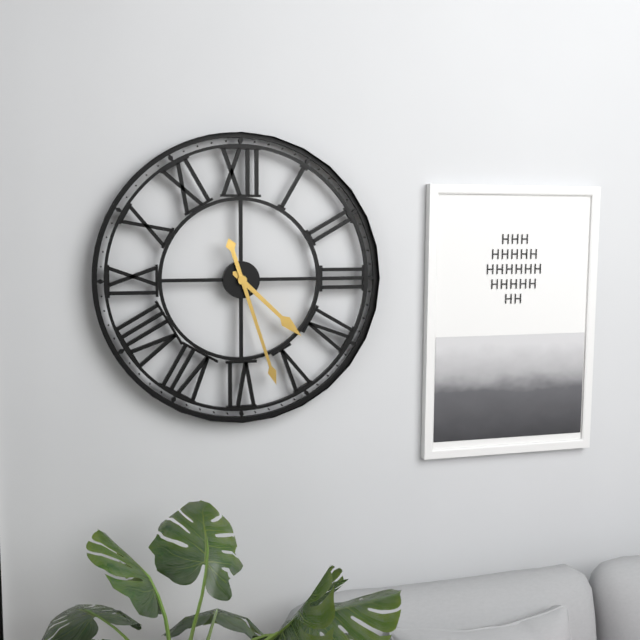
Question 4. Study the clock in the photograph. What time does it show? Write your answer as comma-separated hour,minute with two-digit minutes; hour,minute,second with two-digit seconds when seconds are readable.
4,27
